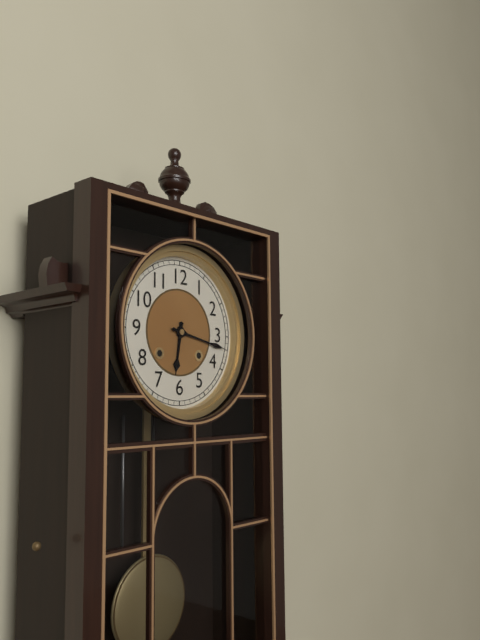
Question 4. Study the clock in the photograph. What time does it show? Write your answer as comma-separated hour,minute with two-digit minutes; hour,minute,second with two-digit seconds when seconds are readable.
6,17
